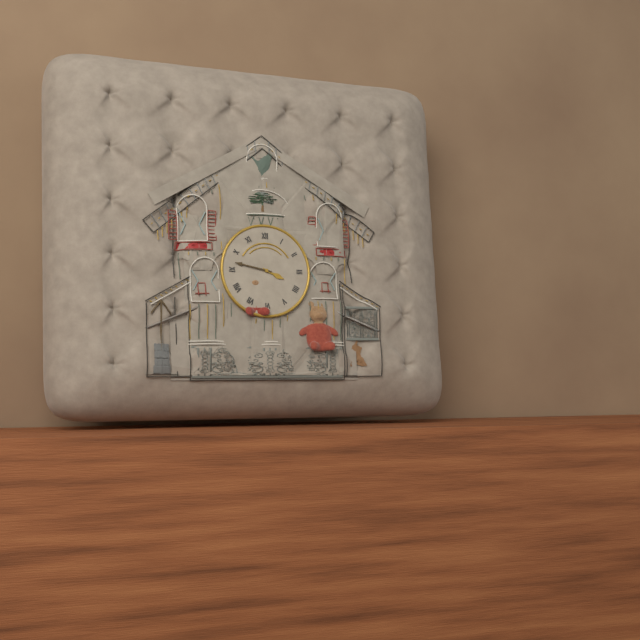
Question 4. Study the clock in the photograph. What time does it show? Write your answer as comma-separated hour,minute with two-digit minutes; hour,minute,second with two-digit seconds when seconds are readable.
3,47
